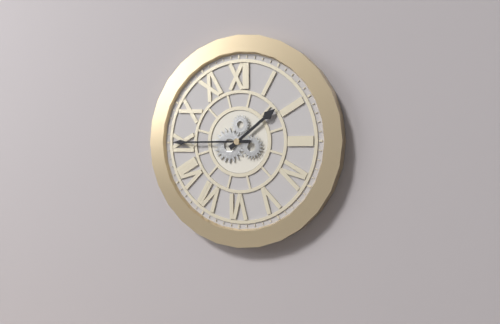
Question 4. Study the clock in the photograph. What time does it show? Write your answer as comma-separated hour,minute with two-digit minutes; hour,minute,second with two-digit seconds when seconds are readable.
1,45
